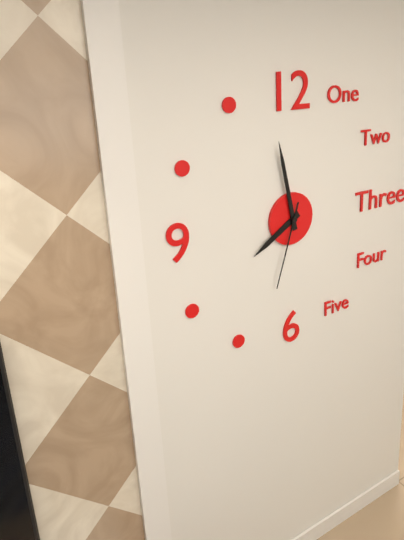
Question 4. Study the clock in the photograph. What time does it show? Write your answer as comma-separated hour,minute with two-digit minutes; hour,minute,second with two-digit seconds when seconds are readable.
7,58,33
